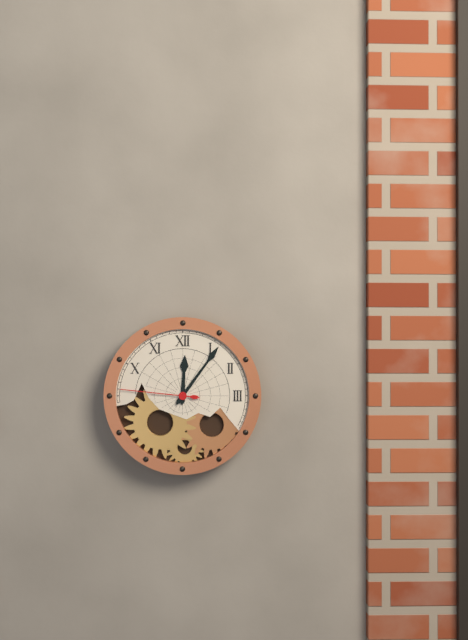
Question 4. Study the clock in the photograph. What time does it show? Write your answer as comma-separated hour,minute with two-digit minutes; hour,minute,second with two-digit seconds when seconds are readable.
12,06,46
